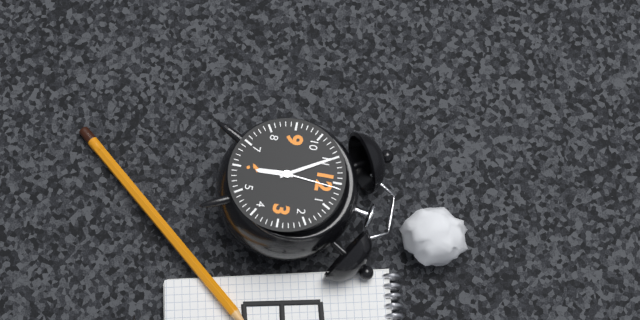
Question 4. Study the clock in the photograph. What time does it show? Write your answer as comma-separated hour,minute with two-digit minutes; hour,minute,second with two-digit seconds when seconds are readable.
5,55,01
